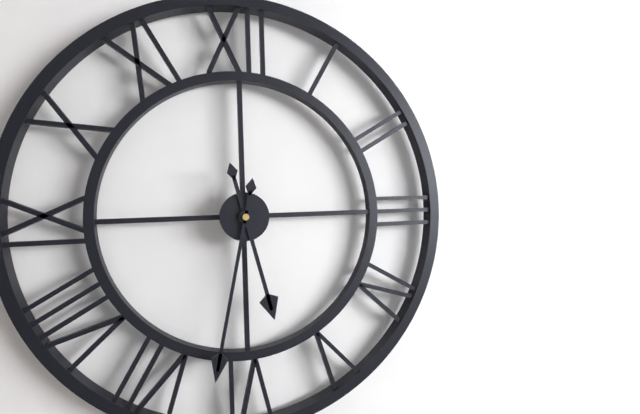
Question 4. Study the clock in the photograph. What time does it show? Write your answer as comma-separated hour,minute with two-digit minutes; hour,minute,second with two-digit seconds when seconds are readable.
5,32
